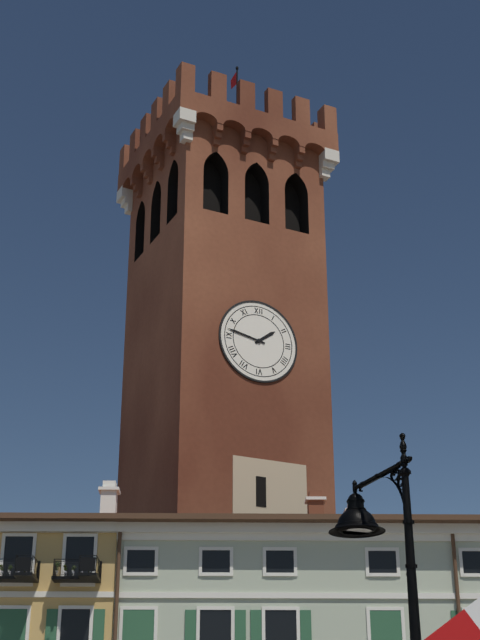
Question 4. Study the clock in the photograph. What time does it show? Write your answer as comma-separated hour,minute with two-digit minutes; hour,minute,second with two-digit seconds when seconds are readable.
1,47
